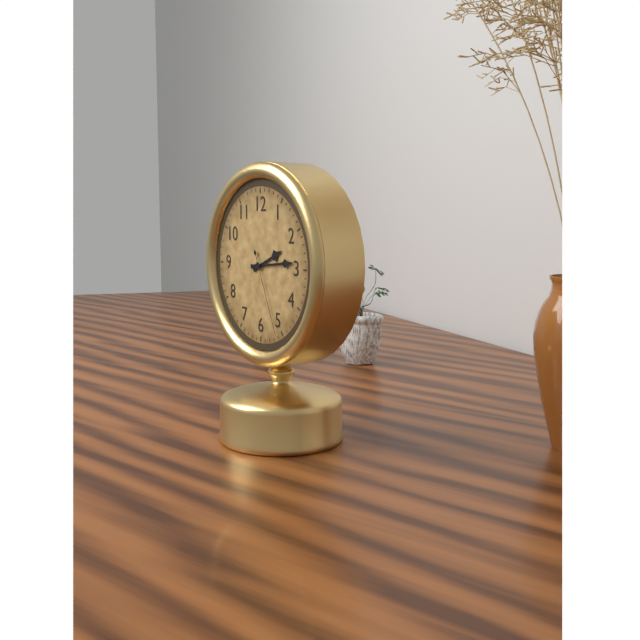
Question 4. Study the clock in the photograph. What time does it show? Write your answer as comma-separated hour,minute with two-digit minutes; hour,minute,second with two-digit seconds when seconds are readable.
2,14,26
